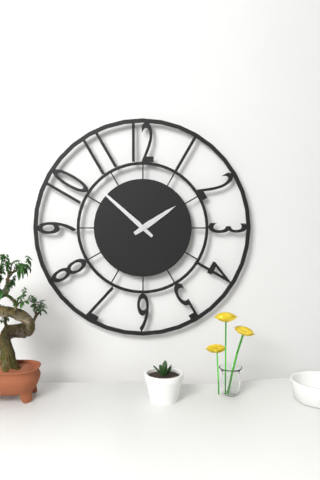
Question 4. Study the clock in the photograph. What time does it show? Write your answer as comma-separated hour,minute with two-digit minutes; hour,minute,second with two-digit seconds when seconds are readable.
1,52
